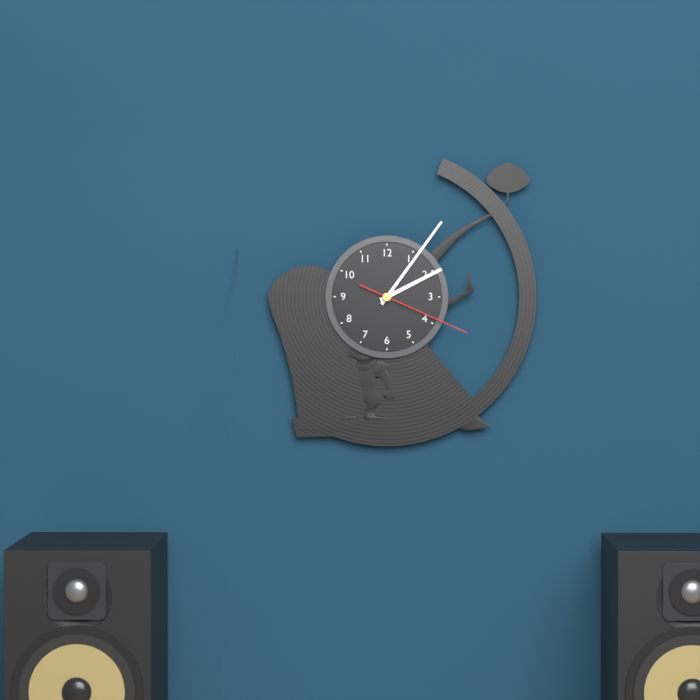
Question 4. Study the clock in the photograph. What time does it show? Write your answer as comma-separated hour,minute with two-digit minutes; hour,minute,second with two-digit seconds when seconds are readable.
2,06,19
